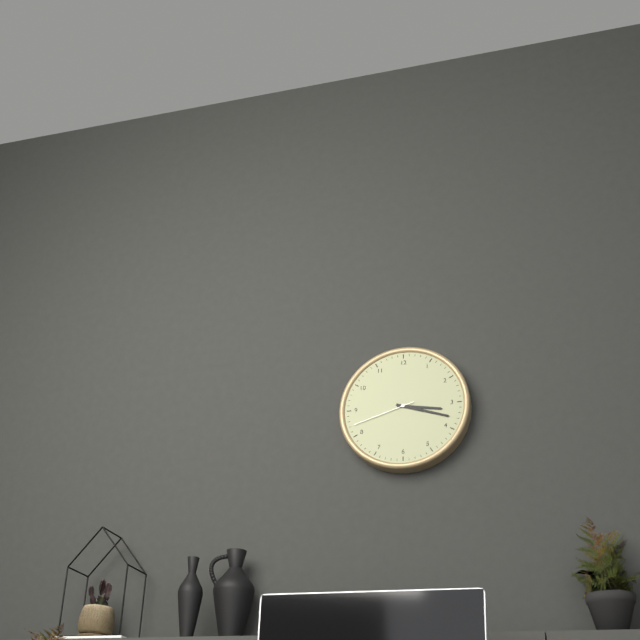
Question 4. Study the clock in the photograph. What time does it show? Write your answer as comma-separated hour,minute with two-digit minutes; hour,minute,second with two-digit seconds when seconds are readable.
3,18,42
